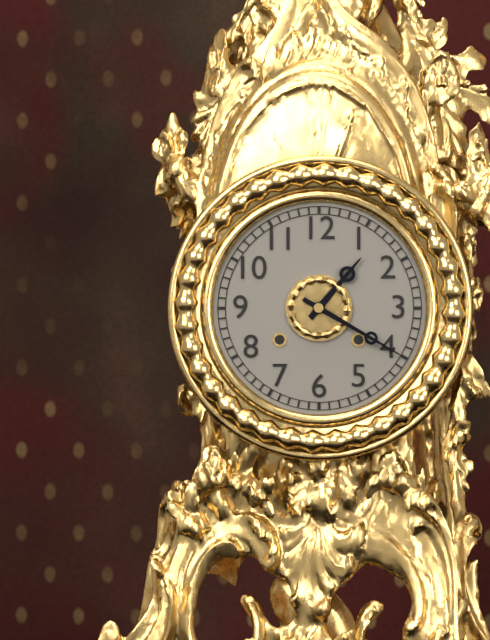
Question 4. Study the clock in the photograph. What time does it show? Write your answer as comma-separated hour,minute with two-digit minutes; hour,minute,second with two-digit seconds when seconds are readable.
1,20
